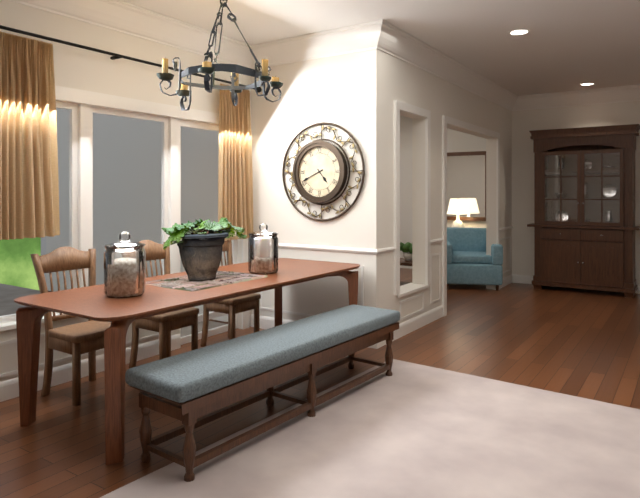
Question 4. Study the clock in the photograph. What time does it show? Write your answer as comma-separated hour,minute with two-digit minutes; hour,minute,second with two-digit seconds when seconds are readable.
4,41
